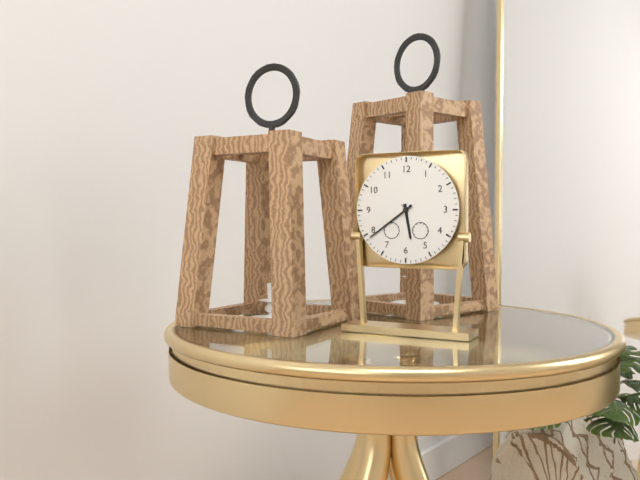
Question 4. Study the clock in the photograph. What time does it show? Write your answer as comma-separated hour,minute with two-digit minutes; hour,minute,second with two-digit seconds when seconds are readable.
5,39
